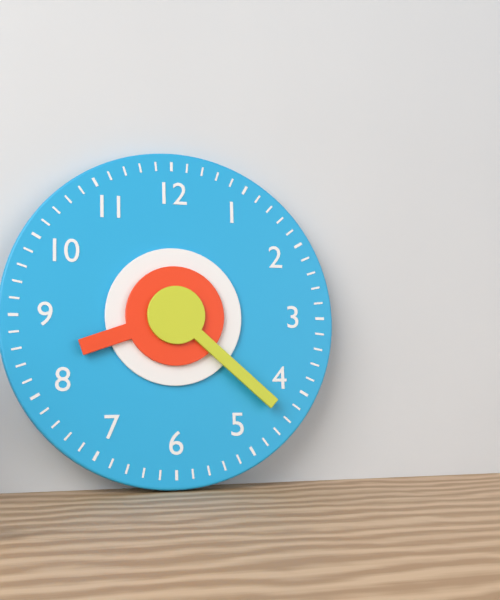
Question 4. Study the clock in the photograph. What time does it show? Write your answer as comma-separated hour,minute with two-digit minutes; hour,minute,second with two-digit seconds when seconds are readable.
8,22
